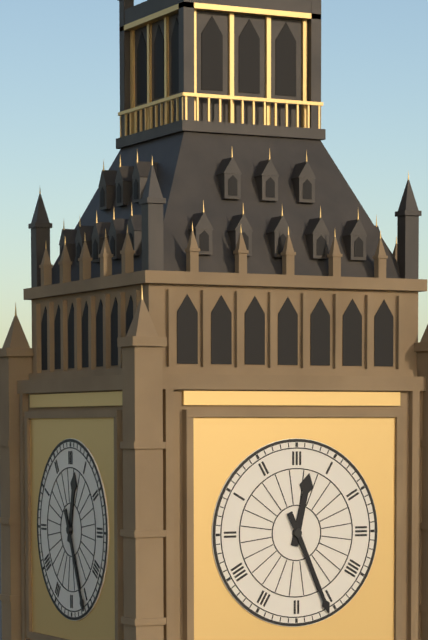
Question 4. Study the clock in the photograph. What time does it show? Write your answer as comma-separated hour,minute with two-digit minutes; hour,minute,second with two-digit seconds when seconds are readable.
12,26
